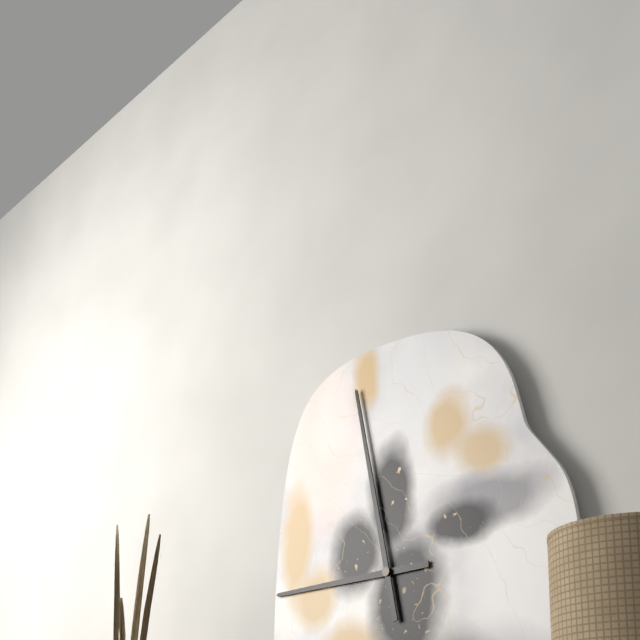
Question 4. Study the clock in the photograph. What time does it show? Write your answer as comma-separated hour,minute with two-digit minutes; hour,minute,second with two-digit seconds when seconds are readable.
8,58
